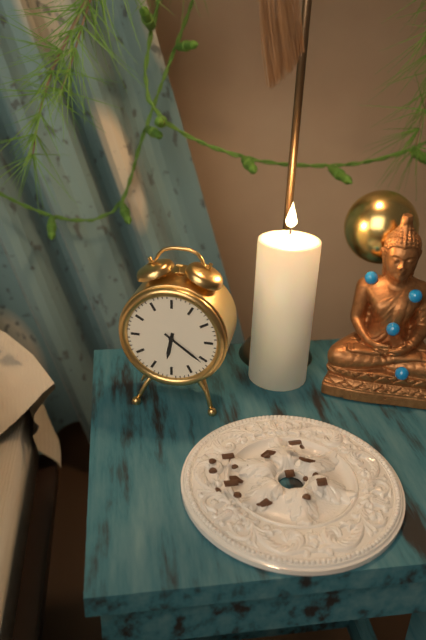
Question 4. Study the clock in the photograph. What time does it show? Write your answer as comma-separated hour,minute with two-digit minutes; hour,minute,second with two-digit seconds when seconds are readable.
6,21
